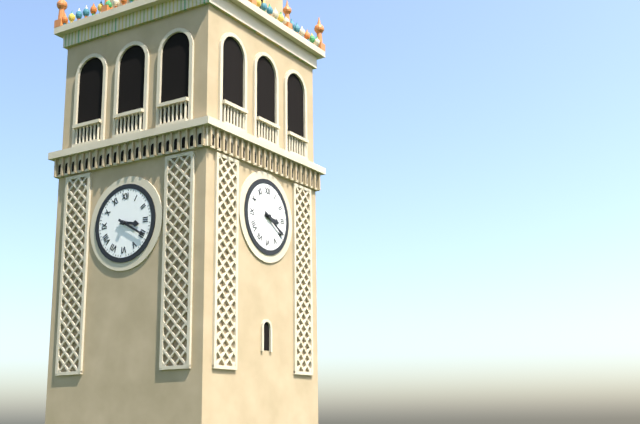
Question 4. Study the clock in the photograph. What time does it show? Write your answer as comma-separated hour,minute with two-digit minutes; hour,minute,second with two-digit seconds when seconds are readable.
3,20
